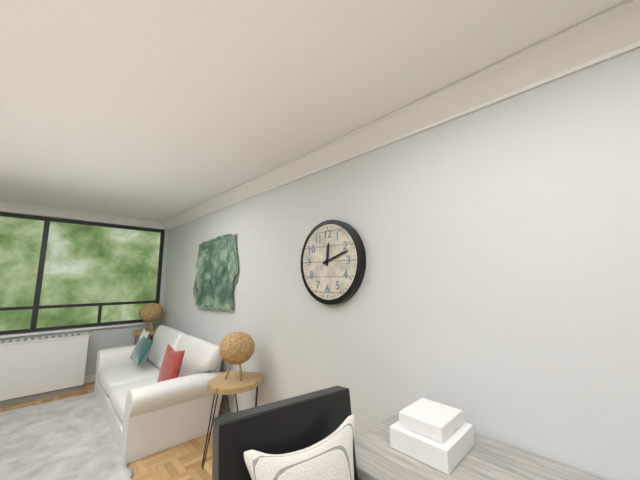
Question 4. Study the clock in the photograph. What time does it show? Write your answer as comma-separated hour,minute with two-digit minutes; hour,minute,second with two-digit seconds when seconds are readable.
12,12
